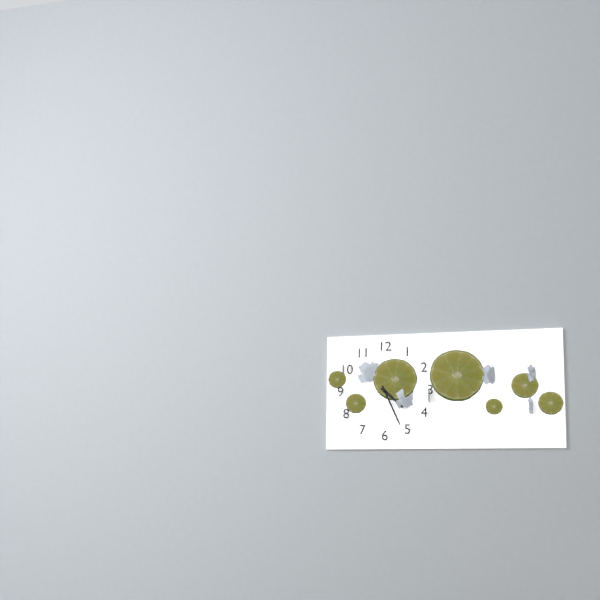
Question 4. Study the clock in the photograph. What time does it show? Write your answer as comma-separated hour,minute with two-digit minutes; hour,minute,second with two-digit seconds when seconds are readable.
4,26
